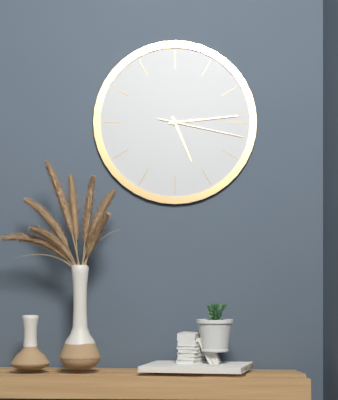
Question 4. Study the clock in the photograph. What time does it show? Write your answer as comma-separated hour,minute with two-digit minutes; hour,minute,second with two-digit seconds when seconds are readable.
5,14,17
